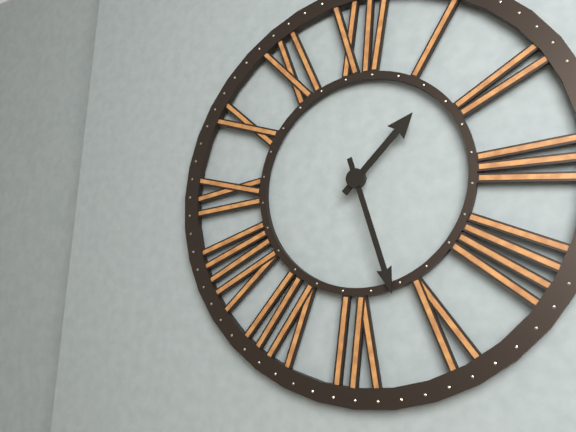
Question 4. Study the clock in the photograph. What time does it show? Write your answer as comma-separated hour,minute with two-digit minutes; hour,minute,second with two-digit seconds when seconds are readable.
1,27
